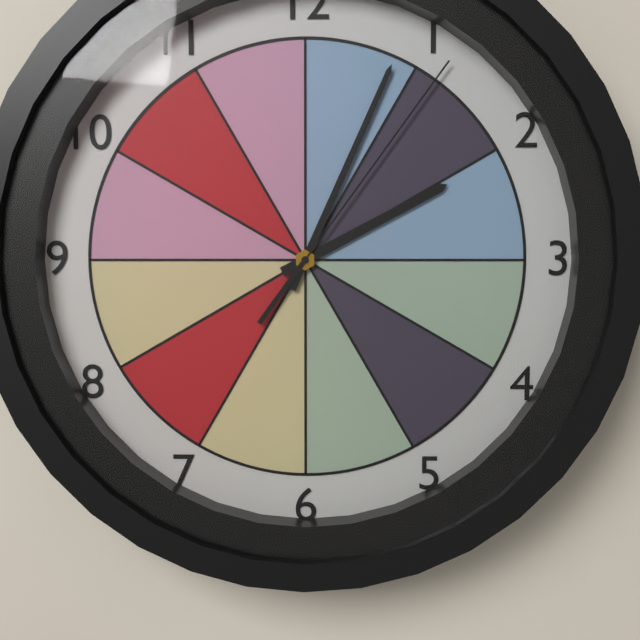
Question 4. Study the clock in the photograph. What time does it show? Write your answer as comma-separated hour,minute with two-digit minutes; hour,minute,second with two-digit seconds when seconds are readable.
2,04,06
